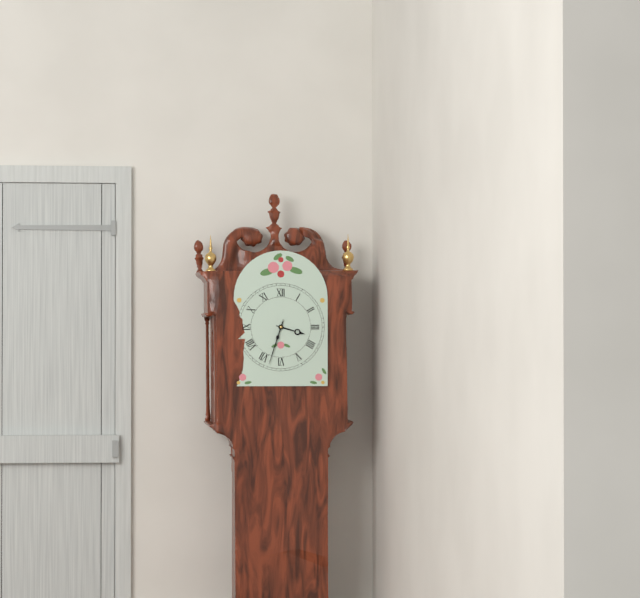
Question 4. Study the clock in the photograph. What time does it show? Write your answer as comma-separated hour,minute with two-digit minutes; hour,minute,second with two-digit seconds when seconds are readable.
3,33
